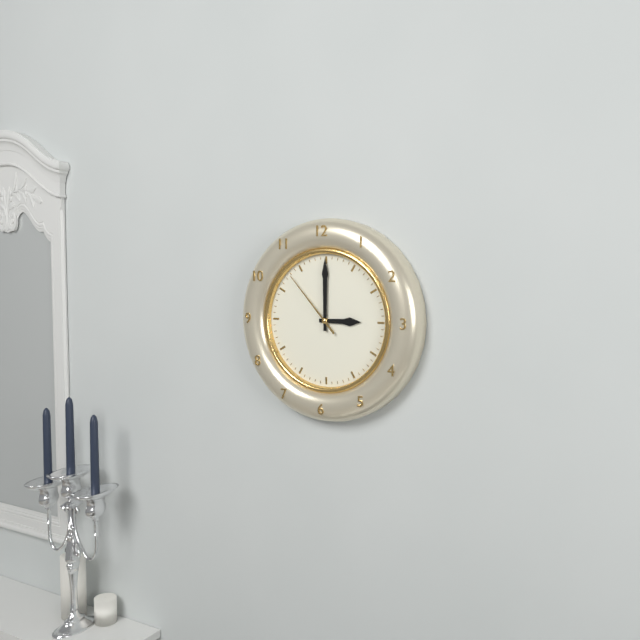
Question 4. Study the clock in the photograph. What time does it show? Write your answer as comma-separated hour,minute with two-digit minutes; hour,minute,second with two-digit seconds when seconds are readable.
3,00,53
